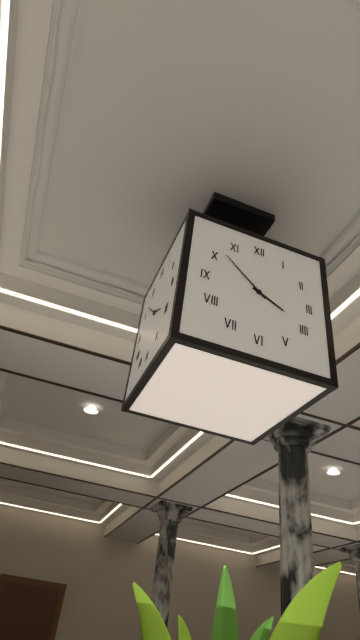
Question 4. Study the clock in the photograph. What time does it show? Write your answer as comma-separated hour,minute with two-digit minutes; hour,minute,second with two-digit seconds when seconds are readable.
3,52
